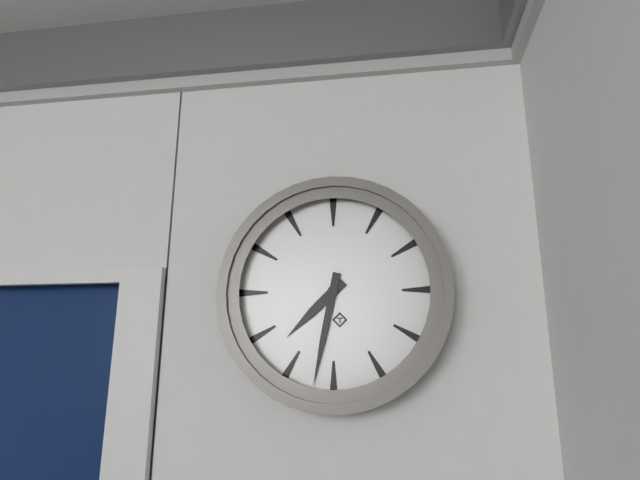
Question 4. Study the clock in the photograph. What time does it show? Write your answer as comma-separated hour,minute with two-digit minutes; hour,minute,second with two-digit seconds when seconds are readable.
7,32
